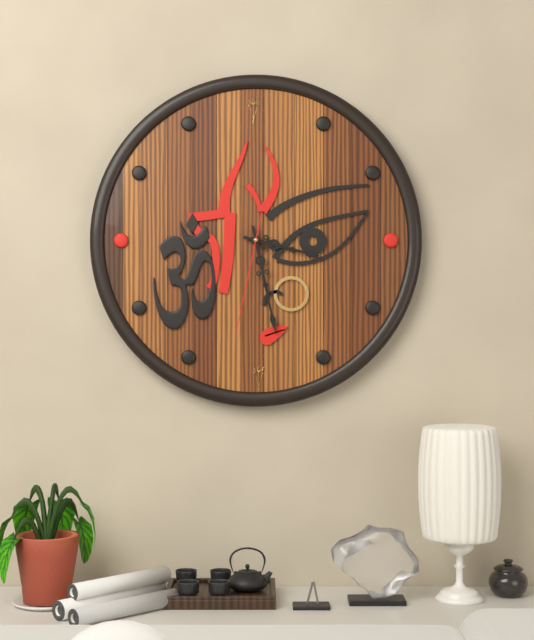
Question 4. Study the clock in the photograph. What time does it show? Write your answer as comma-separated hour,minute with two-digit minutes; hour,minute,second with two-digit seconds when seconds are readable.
3,28,32
